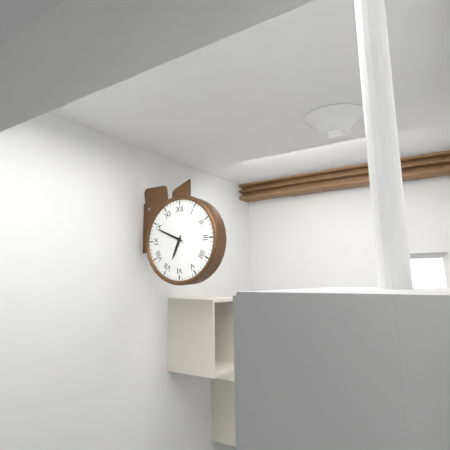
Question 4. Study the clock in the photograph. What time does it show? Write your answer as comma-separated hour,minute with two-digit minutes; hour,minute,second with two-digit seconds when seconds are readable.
6,49
